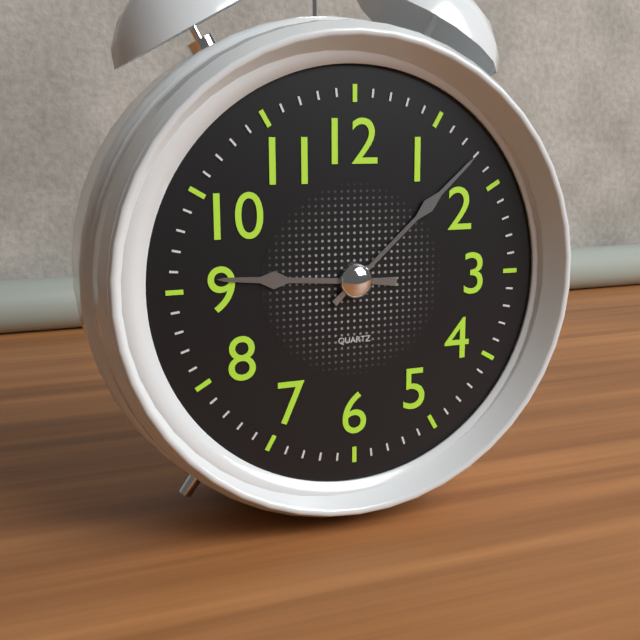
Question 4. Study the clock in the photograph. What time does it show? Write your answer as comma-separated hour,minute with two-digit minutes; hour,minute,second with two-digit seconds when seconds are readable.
9,08
